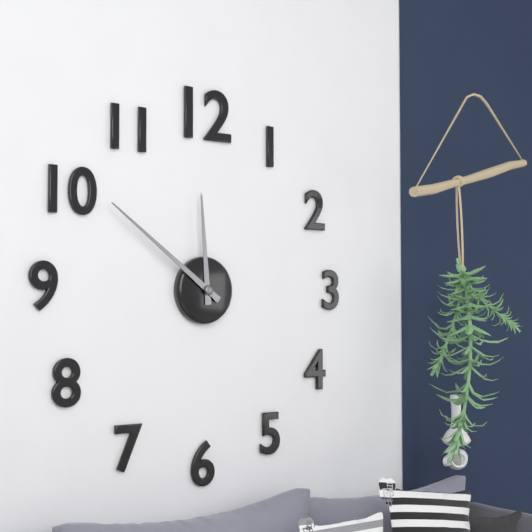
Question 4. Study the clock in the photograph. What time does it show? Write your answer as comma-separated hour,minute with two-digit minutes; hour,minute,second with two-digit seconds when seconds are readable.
11,51
